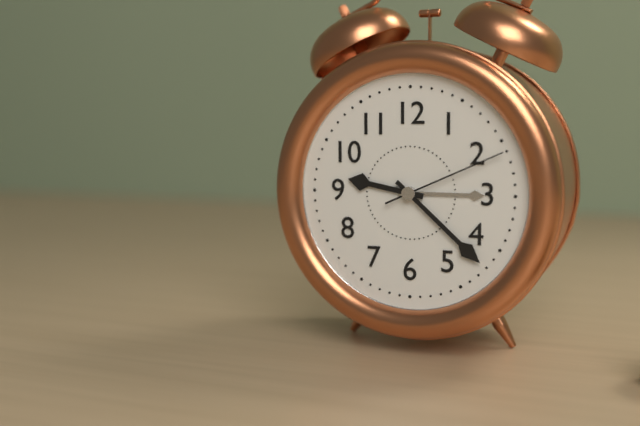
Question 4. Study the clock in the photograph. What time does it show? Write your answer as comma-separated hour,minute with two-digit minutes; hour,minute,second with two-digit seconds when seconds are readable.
9,22,11
